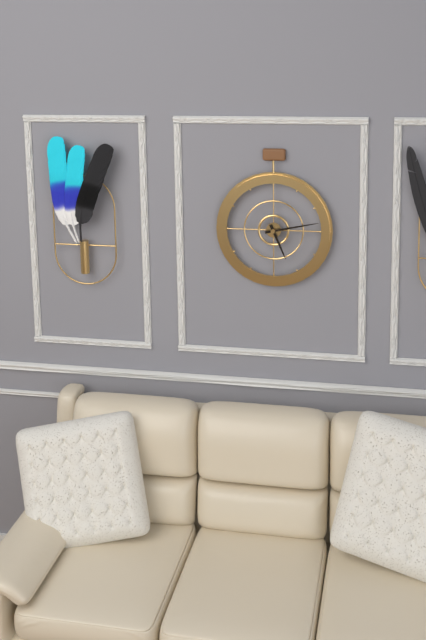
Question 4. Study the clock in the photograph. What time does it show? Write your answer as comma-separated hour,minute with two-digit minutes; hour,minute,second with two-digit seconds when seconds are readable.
5,13
